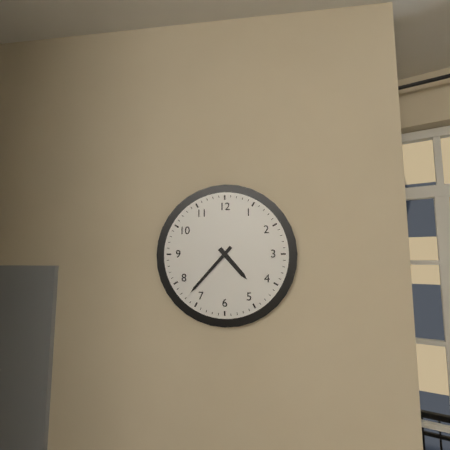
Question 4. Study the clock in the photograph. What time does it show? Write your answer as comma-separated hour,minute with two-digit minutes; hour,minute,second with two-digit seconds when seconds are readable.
4,37
